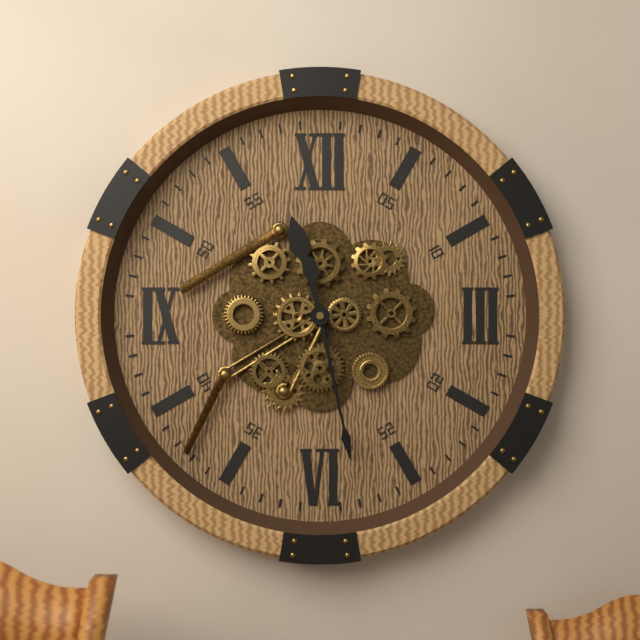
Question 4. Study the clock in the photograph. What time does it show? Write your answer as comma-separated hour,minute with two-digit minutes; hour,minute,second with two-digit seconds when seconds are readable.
11,28
